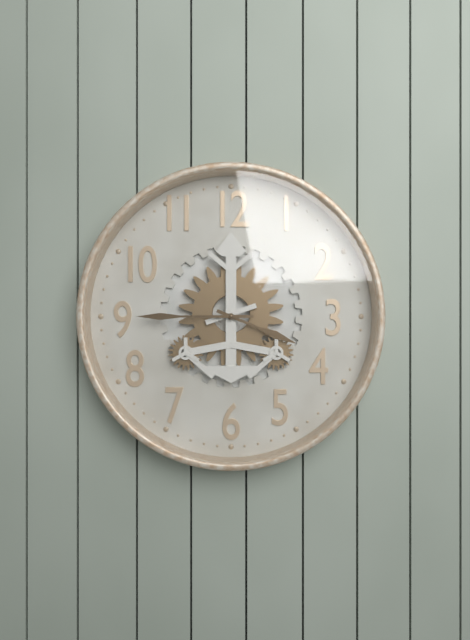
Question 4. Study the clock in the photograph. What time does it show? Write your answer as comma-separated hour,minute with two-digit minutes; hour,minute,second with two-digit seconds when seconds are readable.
3,45
